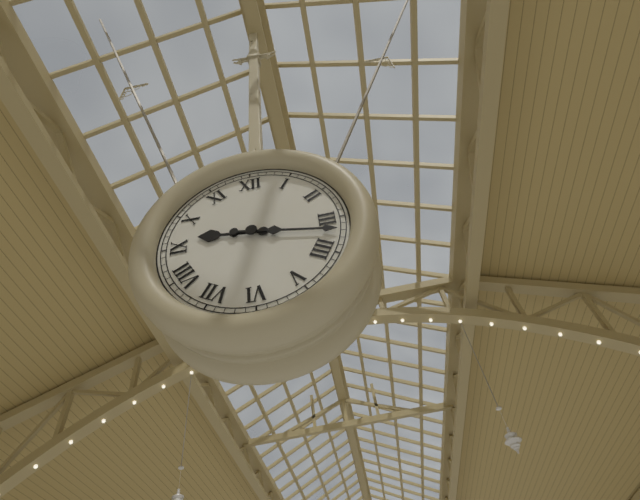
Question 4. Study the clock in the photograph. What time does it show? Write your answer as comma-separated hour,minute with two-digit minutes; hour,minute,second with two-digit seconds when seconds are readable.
9,17
